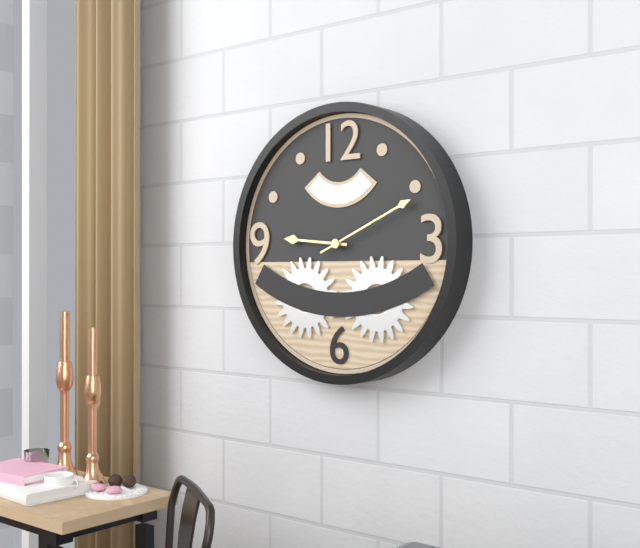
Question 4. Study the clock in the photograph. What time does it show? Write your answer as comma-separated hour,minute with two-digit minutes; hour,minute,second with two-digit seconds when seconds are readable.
9,11
